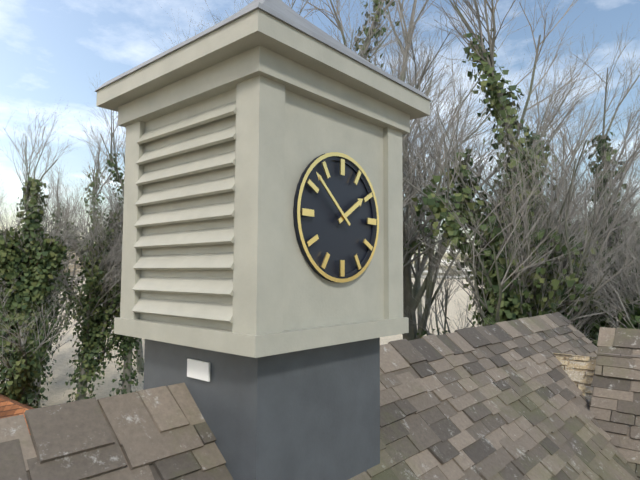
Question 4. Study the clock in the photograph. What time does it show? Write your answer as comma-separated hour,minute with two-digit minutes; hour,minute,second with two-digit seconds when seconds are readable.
1,52
